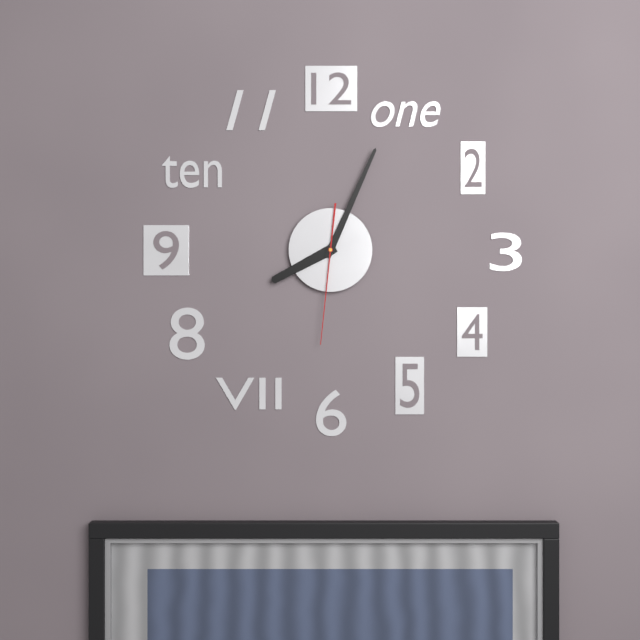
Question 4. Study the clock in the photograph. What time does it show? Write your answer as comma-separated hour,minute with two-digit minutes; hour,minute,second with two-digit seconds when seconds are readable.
8,04,31
